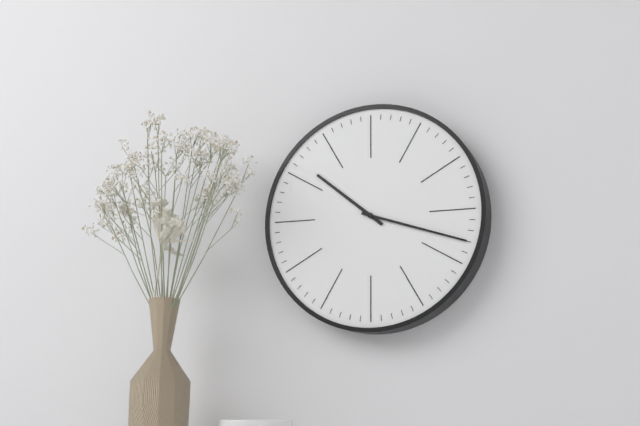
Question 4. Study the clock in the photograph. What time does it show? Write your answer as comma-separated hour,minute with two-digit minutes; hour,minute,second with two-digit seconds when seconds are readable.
10,18
